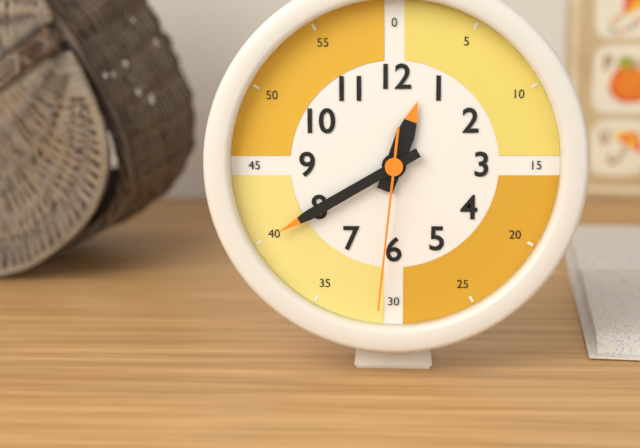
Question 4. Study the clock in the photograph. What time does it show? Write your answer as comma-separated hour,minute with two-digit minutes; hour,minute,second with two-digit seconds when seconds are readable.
12,40,31
